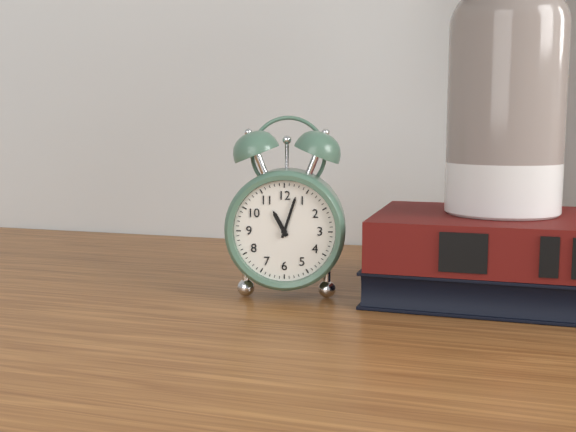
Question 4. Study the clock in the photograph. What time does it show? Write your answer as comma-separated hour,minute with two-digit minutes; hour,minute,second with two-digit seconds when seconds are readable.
11,03
